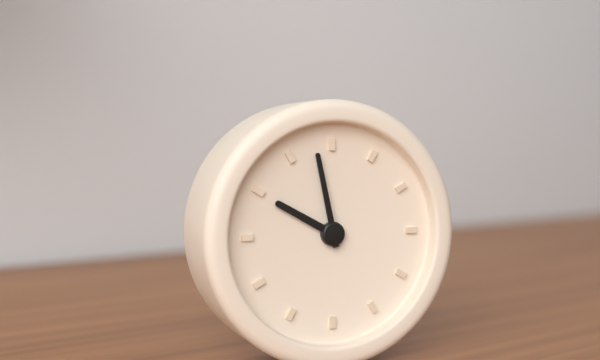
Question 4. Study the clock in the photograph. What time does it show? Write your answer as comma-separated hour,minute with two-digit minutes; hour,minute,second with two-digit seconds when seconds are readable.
9,58
